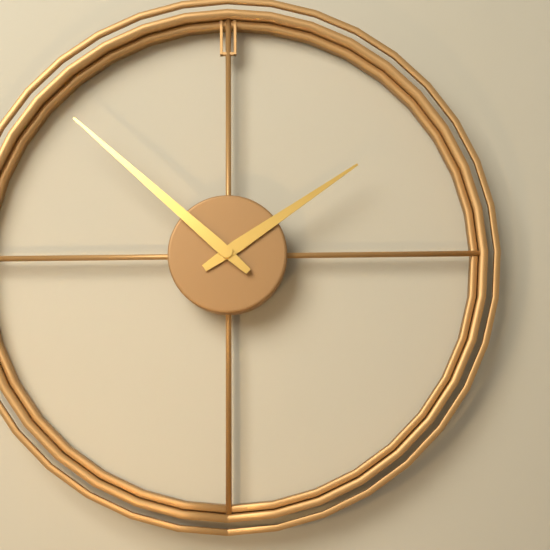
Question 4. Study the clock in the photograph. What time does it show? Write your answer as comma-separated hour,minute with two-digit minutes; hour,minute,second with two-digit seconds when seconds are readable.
1,52
